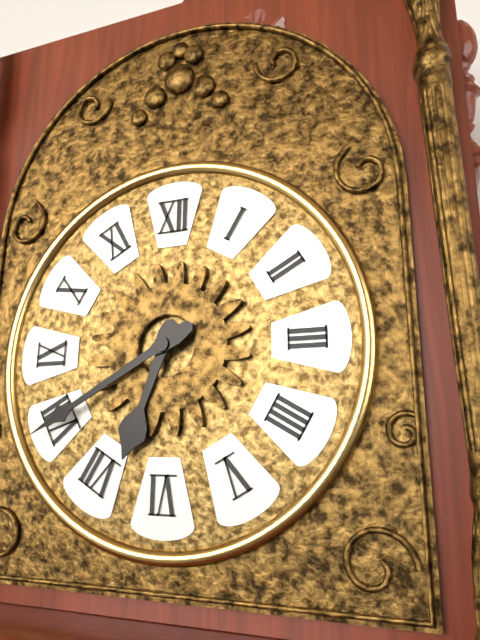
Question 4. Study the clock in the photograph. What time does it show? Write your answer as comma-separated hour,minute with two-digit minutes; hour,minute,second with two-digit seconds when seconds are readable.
6,40
